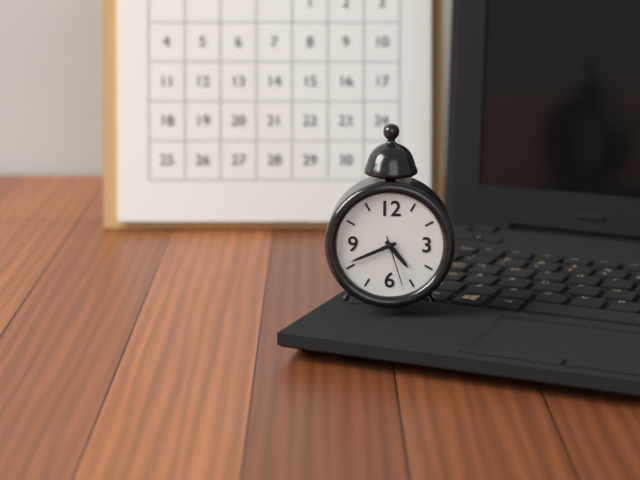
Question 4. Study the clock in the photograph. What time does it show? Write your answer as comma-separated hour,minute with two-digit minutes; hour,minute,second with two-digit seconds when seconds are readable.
4,41,27
